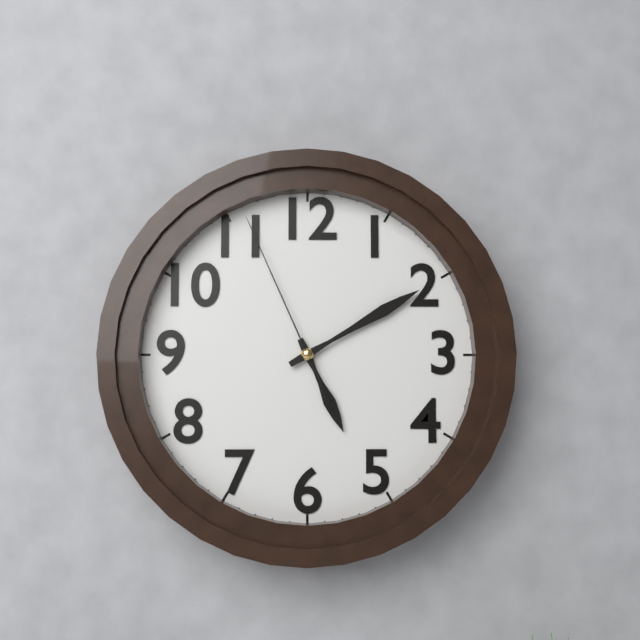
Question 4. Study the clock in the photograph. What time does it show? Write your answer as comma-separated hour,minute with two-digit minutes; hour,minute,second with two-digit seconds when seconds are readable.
5,10,56
